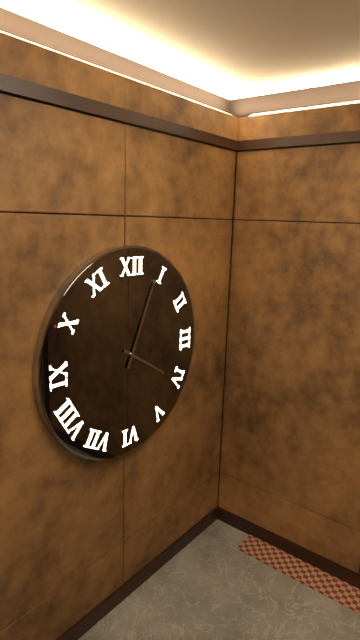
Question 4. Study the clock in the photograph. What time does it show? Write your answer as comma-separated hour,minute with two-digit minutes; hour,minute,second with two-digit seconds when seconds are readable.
4,04
